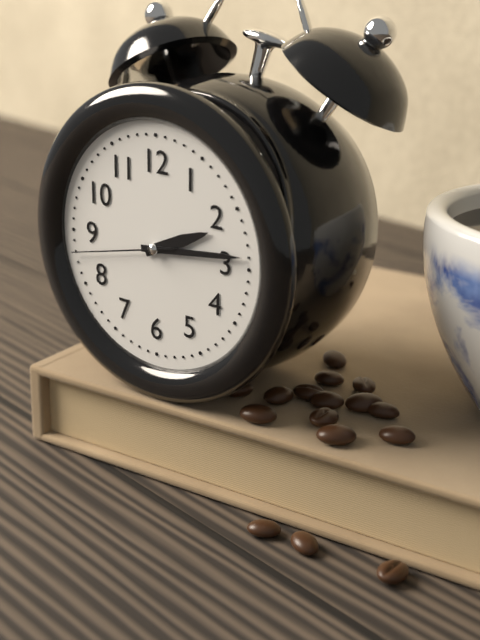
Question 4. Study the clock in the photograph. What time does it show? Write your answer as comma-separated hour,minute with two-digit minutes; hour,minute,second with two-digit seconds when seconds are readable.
2,14,43
